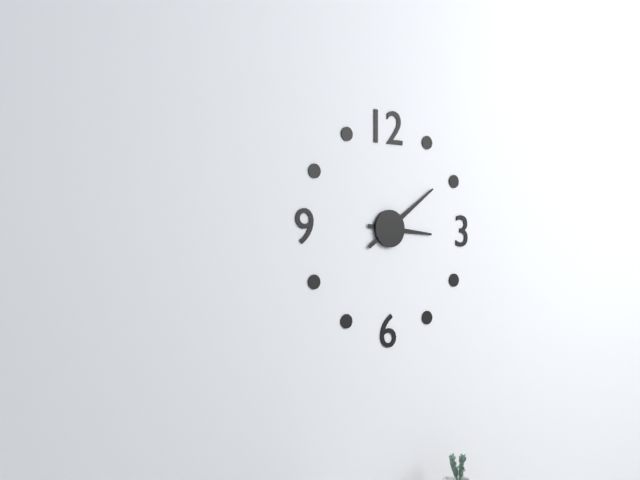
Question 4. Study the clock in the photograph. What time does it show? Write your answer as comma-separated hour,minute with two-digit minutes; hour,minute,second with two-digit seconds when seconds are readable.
3,09
